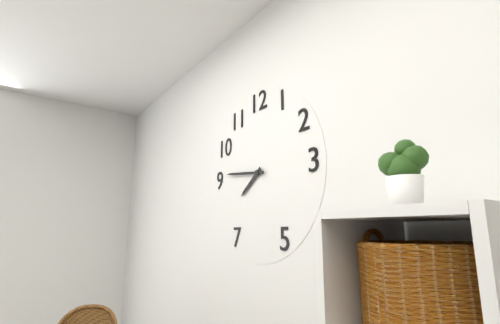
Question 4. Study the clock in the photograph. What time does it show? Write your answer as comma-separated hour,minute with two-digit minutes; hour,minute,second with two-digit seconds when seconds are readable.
7,46
